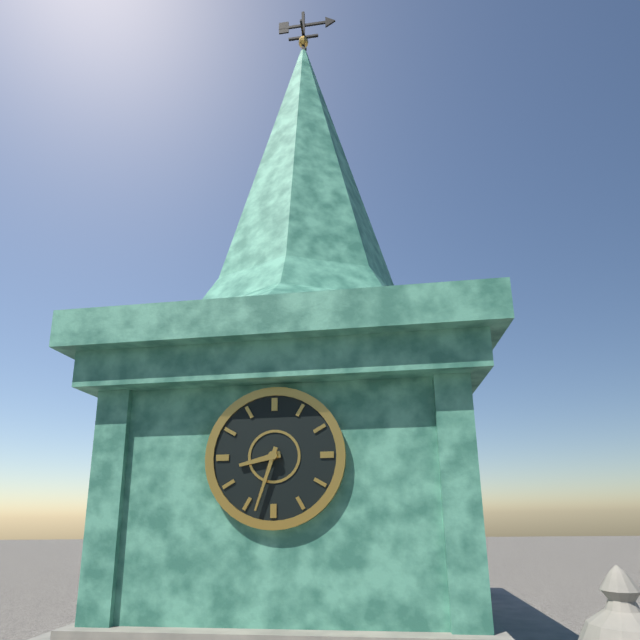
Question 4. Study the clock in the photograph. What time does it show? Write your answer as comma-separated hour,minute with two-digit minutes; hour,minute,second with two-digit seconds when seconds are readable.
8,33
